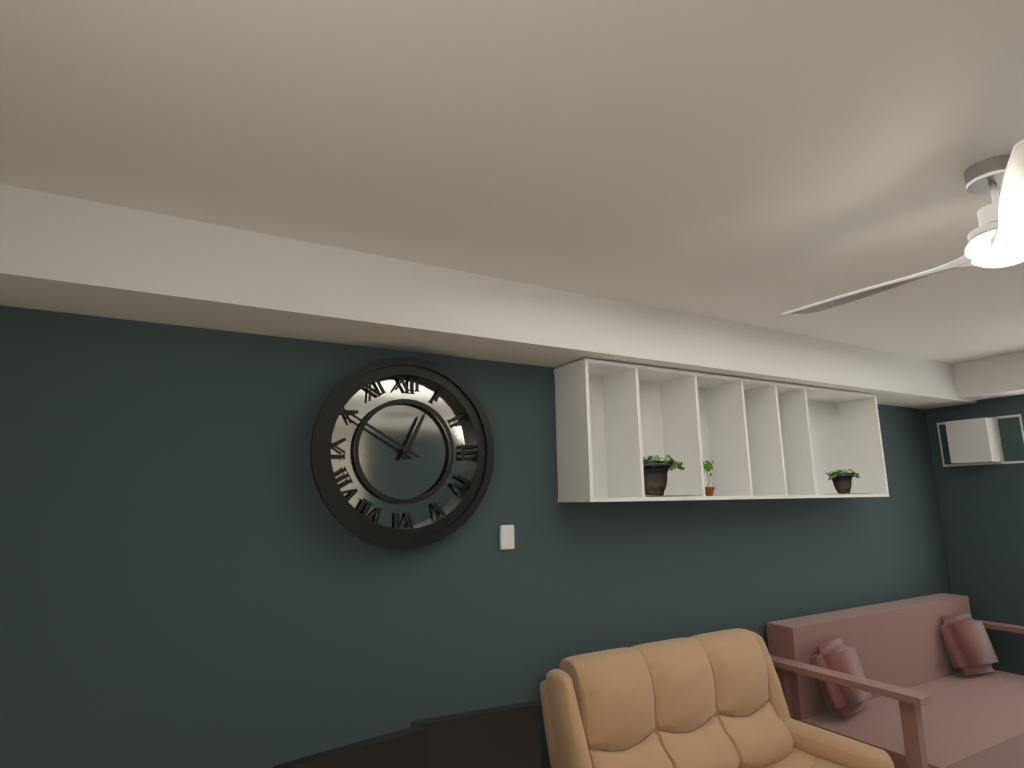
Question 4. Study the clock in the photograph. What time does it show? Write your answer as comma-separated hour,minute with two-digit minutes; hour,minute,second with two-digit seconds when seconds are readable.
12,50
